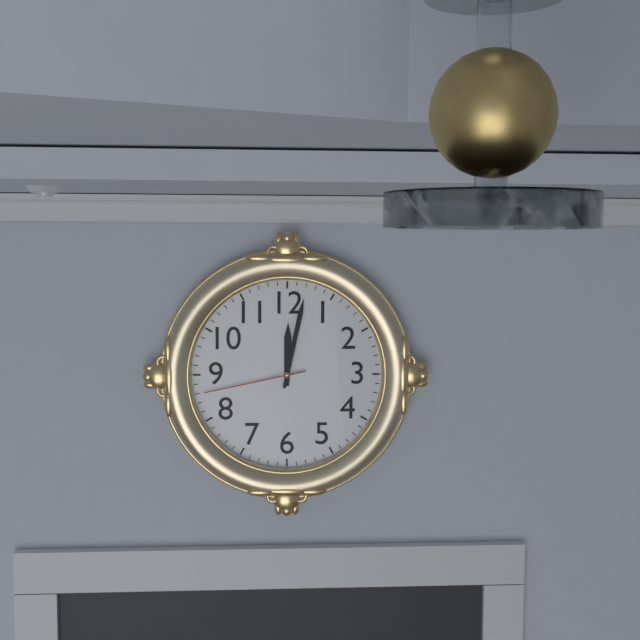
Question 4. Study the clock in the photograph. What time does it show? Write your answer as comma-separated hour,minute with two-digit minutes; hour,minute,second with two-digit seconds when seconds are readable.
12,02,43
